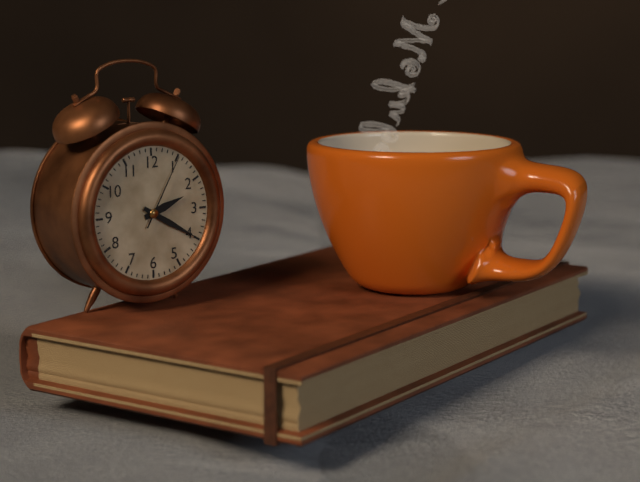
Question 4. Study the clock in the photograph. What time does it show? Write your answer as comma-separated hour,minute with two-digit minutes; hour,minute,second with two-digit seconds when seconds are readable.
2,20,05
